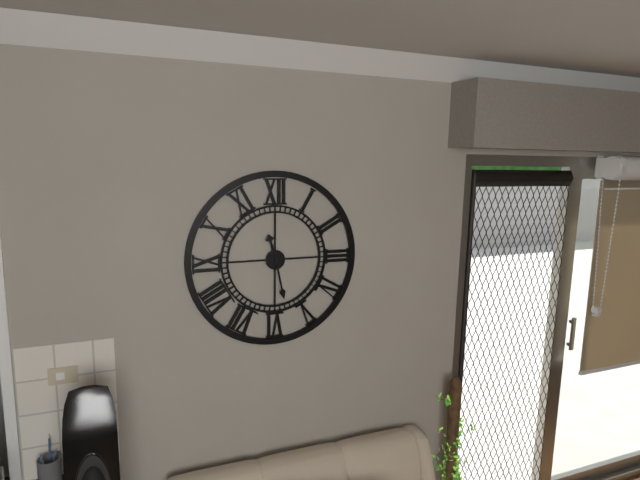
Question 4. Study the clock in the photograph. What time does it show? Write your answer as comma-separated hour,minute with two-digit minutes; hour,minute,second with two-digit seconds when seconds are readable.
11,28
